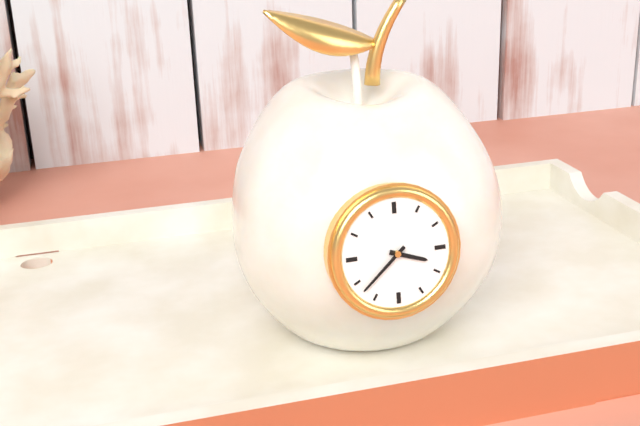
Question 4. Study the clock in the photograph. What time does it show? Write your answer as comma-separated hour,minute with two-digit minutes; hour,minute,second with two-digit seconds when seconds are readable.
3,38
